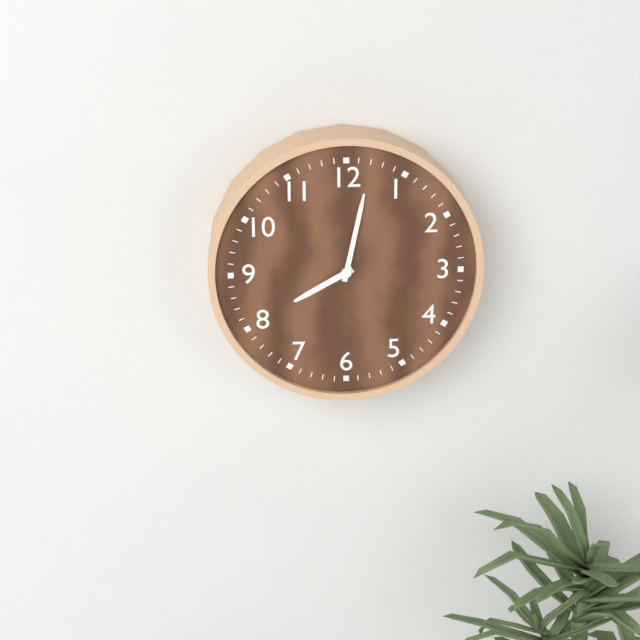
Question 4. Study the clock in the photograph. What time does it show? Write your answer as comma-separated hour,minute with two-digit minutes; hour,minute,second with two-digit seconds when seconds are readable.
8,02
